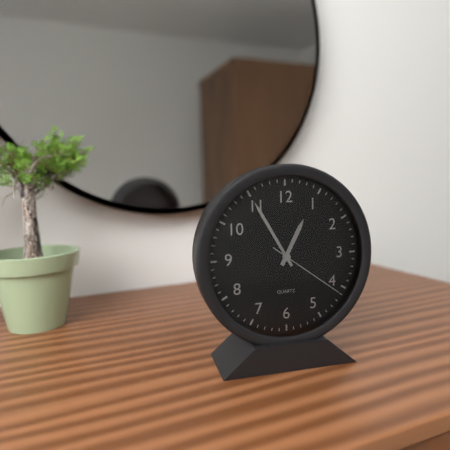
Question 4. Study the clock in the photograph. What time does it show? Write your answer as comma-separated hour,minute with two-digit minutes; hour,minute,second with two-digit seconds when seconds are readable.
12,55,21
